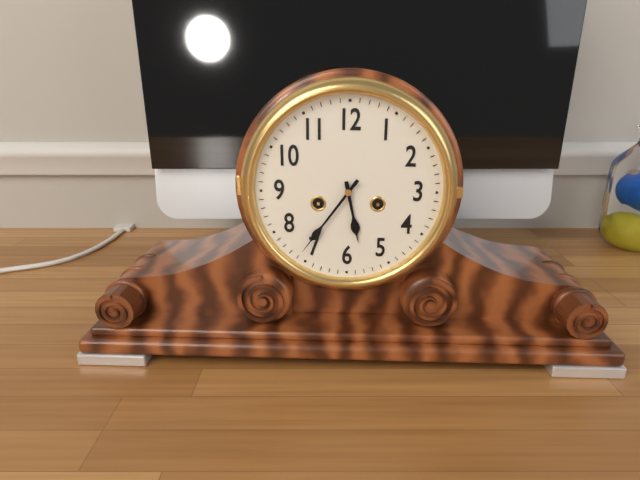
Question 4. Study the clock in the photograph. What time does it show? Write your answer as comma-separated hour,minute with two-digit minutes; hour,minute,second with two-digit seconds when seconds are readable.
5,36
